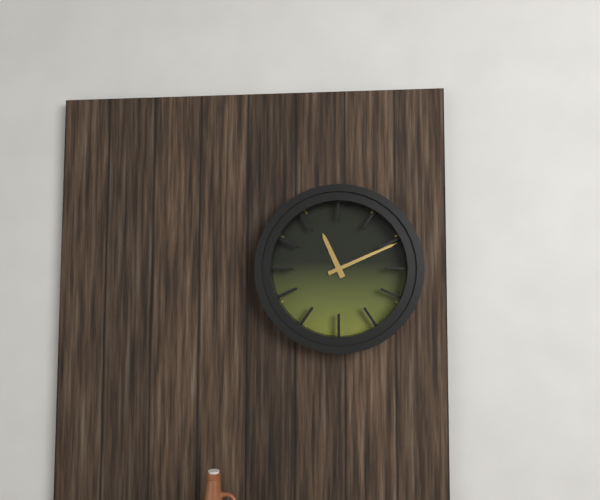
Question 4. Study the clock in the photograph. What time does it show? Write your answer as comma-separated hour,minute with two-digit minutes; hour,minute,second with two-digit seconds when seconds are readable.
11,11
